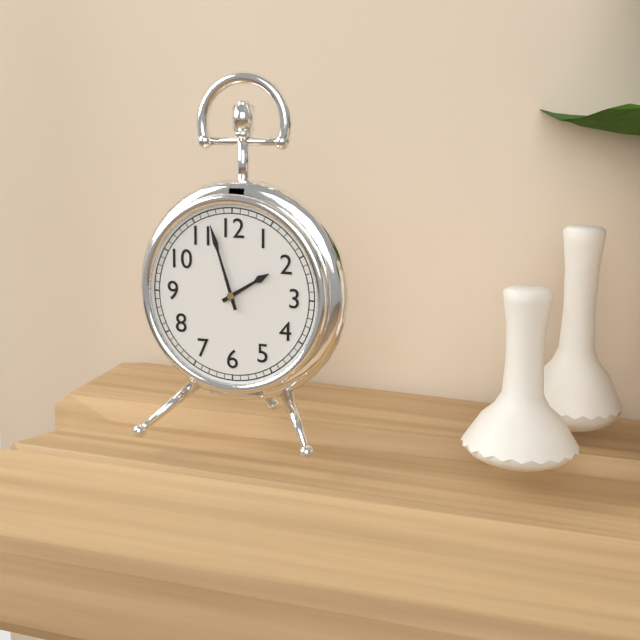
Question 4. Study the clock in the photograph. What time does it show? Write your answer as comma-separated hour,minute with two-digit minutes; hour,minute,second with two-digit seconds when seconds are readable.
1,57
